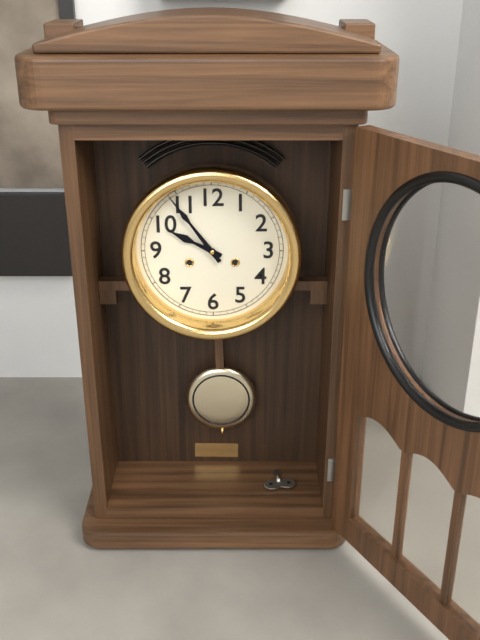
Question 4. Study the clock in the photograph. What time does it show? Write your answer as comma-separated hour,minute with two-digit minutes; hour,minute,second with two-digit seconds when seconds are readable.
9,54
